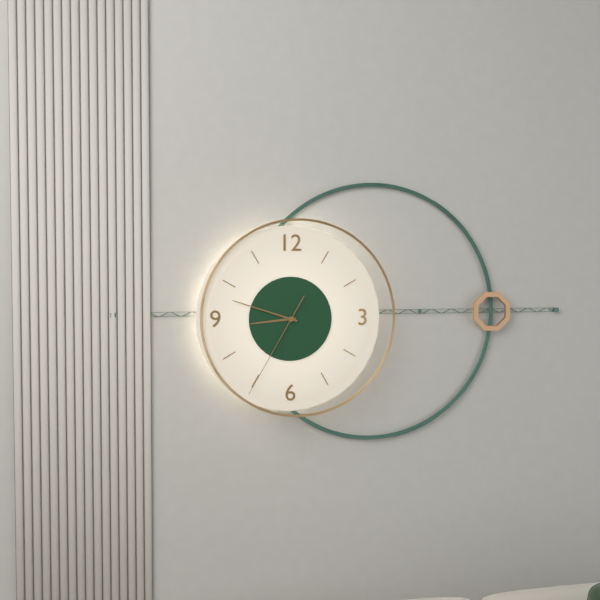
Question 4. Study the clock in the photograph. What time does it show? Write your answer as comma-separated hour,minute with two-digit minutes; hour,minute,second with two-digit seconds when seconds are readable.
8,48,35
